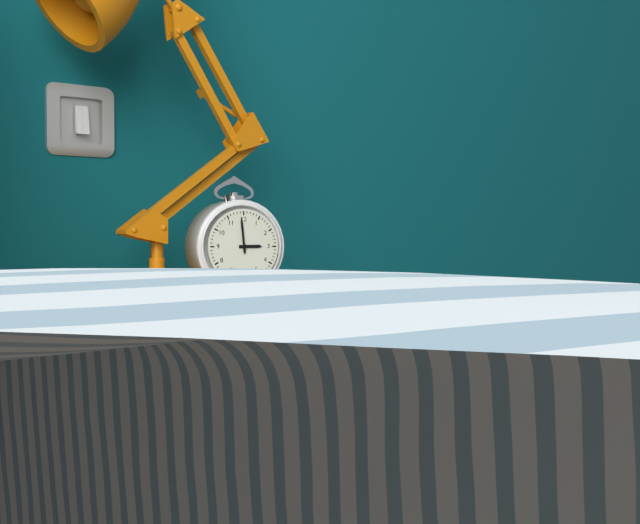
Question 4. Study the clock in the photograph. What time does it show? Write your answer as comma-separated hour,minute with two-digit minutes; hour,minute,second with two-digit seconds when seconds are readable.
2,59
